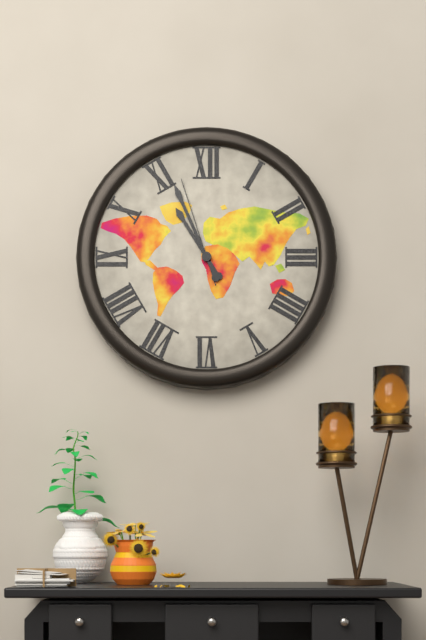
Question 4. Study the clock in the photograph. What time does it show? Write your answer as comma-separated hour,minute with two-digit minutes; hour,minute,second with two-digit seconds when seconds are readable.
10,56,57
